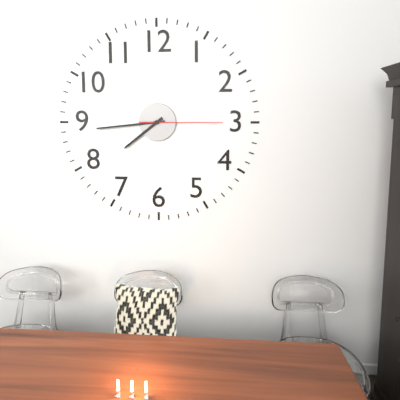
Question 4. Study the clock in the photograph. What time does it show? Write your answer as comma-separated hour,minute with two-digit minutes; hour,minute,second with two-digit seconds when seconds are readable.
7,44,15
